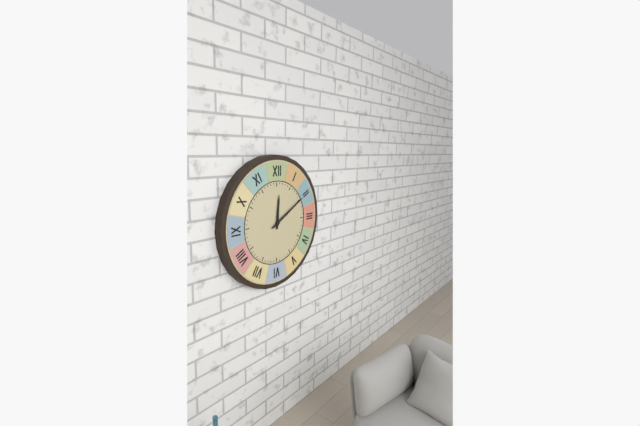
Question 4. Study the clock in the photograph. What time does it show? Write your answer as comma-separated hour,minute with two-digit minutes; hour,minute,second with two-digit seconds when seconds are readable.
12,10
